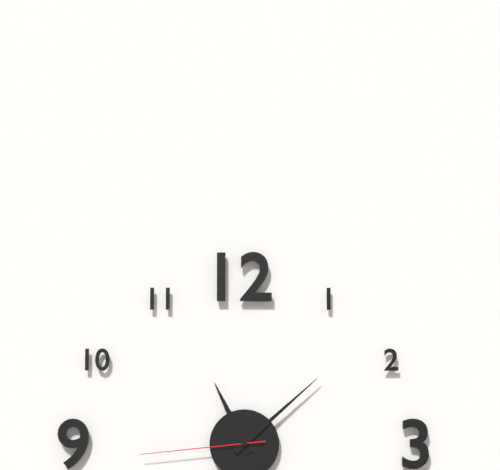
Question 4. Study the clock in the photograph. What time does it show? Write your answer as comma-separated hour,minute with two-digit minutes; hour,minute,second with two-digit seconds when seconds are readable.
11,08,44
